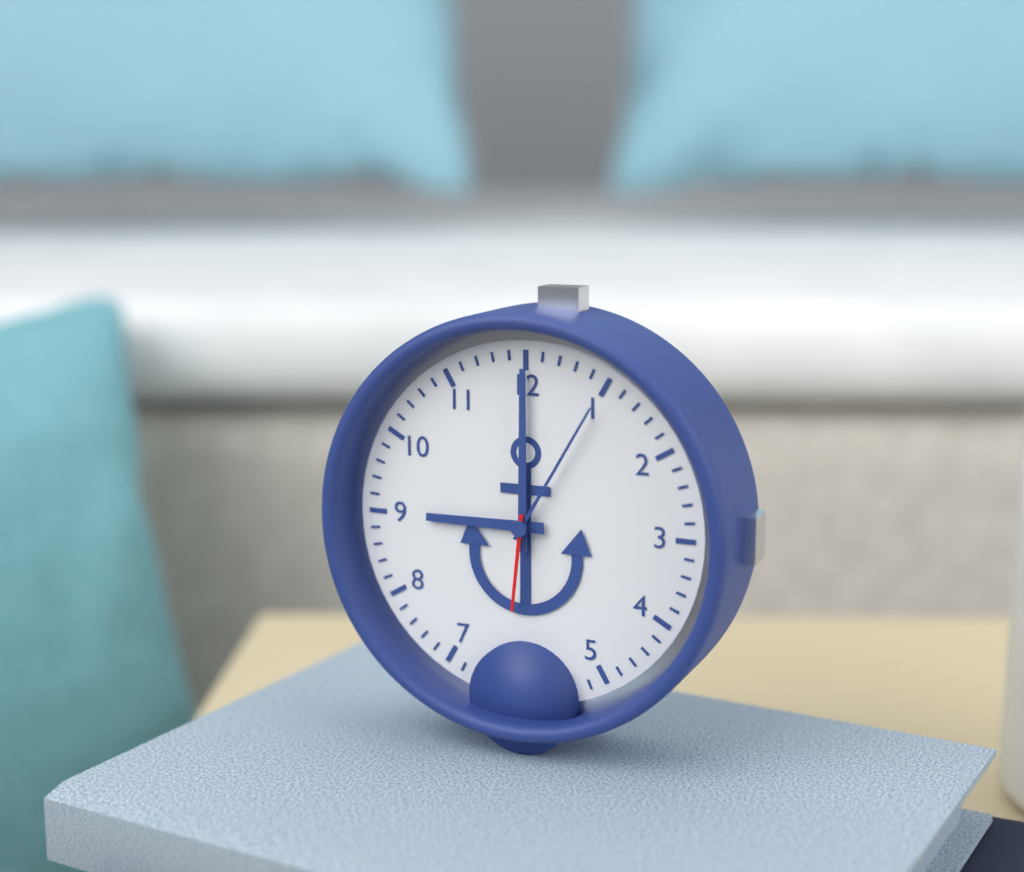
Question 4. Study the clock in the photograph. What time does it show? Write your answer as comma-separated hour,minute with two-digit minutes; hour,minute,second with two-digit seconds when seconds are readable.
9,00,31
